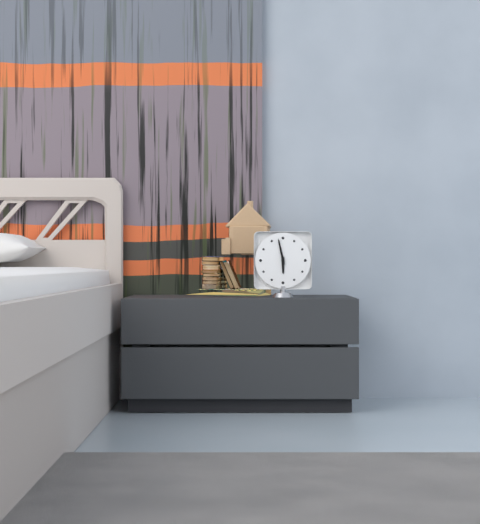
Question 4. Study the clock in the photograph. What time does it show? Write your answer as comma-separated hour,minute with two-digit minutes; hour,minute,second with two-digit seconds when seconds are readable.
5,58
